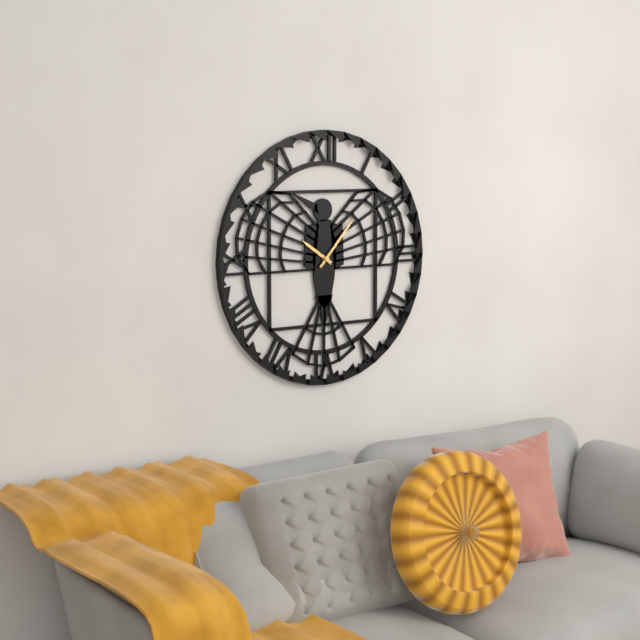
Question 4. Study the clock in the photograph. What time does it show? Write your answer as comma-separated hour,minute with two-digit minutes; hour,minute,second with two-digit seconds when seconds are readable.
10,07
